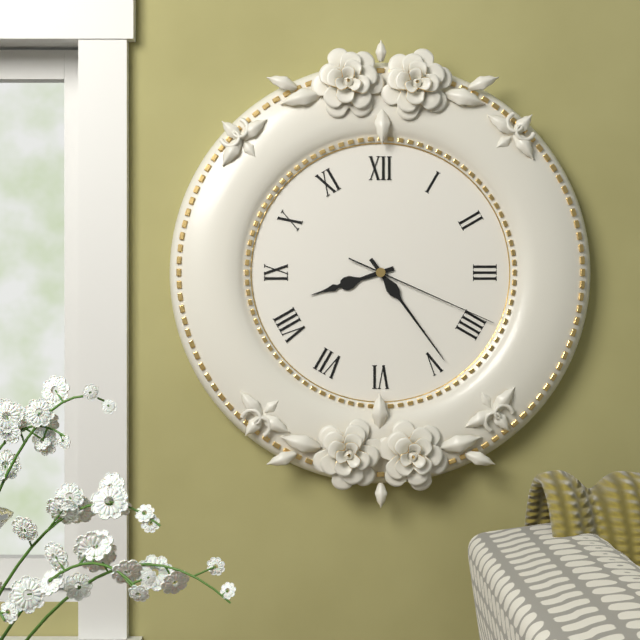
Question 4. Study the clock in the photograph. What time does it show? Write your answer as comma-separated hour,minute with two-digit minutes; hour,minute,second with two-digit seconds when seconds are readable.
8,24,19
